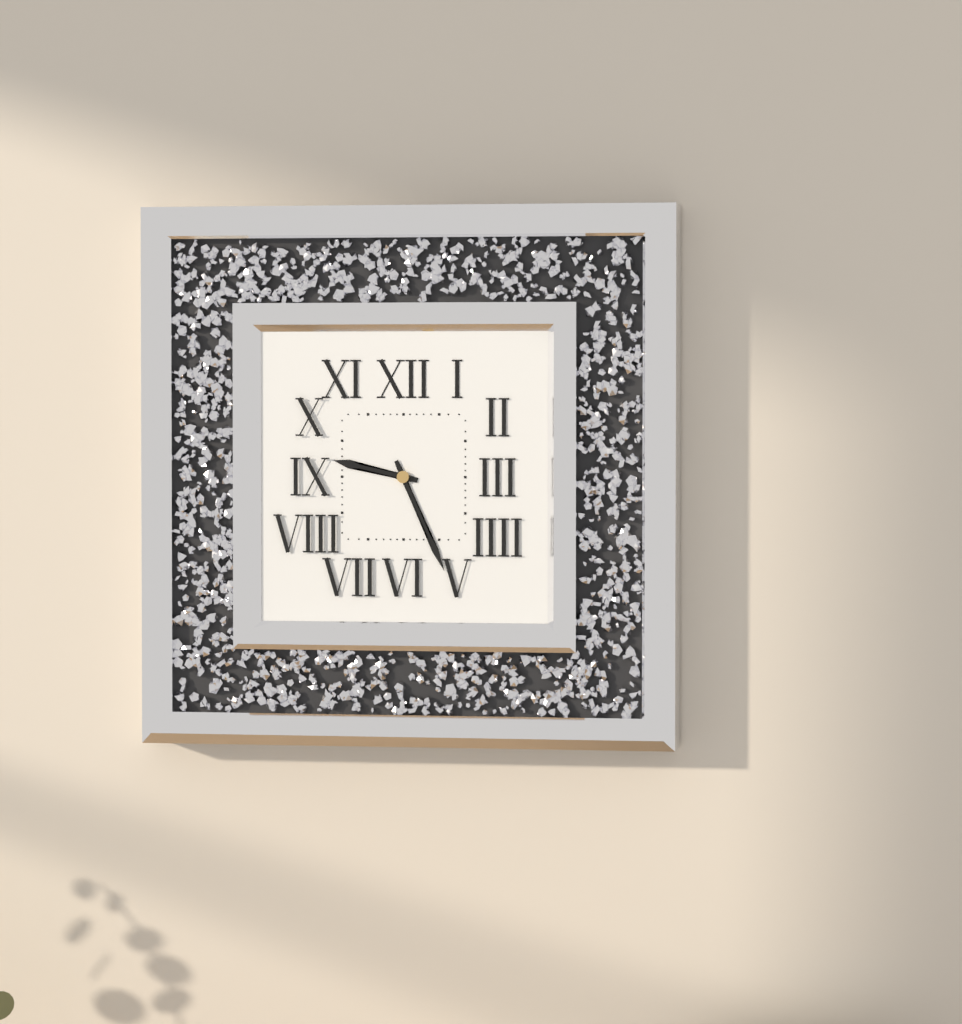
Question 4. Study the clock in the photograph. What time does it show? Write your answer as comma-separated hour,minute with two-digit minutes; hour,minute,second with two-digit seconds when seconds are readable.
9,26
